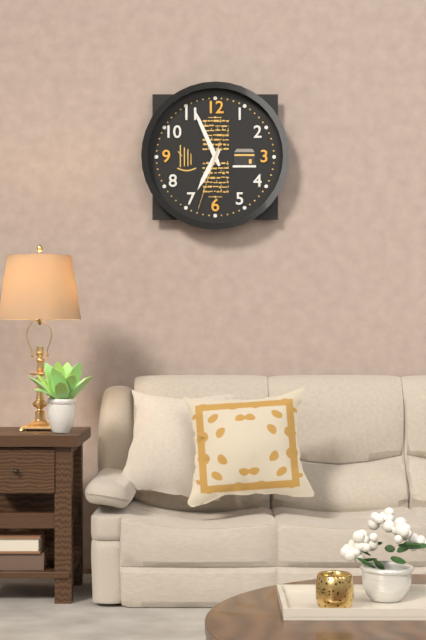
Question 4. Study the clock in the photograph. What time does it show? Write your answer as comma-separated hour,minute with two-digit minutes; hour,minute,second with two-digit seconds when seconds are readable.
6,56,33
